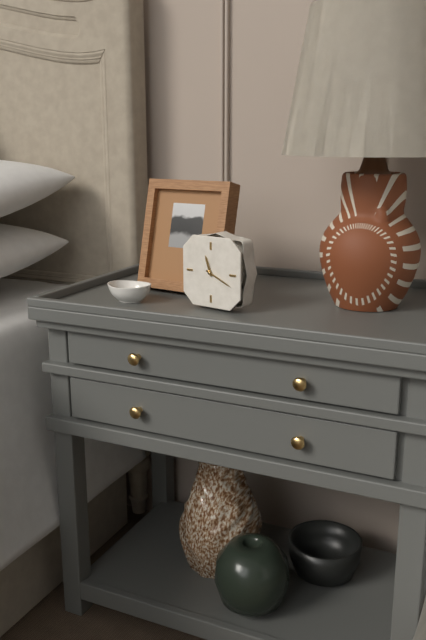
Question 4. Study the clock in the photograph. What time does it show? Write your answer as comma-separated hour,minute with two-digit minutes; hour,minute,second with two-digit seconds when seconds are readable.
11,19
